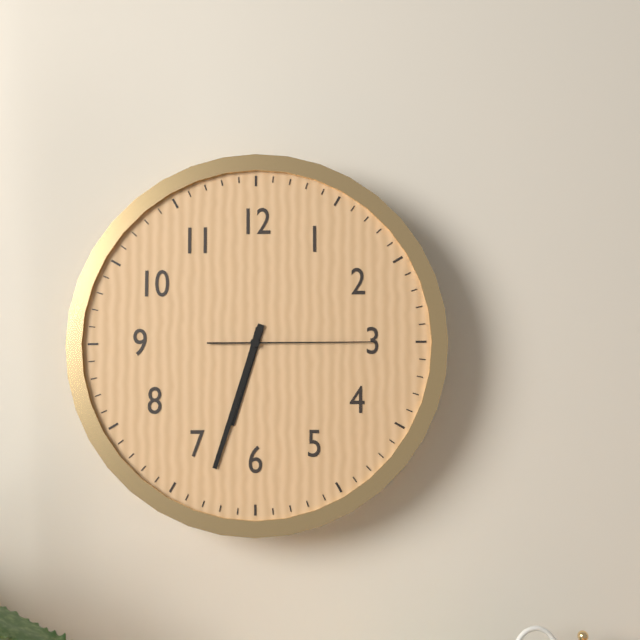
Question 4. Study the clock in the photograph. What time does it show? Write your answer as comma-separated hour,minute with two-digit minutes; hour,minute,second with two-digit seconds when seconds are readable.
6,33,15
